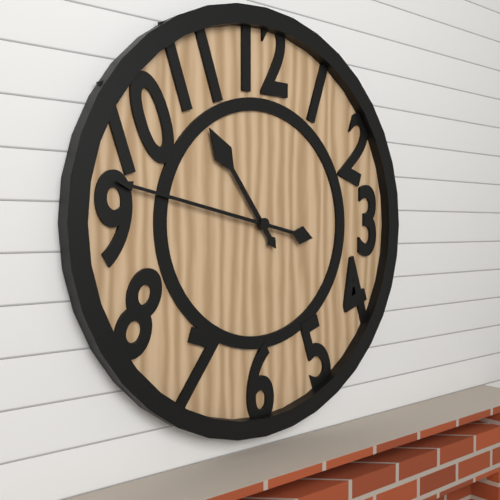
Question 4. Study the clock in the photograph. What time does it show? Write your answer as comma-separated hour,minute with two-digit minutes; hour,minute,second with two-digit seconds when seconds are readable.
10,47
